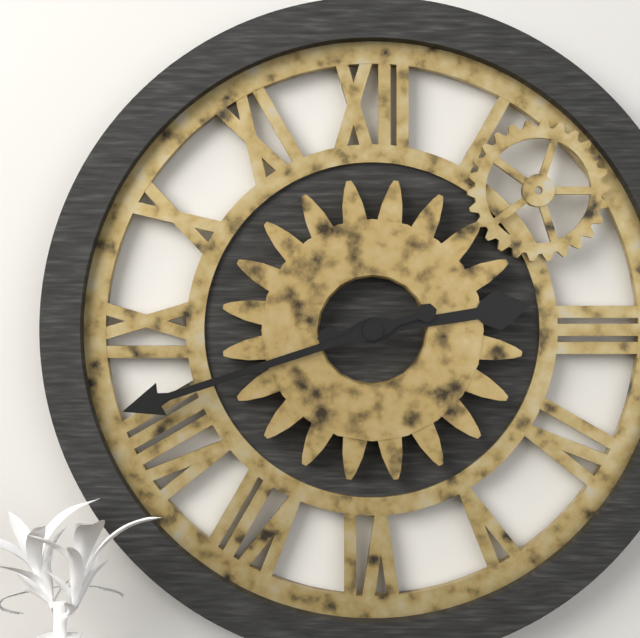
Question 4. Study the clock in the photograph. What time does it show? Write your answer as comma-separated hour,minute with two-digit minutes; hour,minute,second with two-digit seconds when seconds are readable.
2,42
